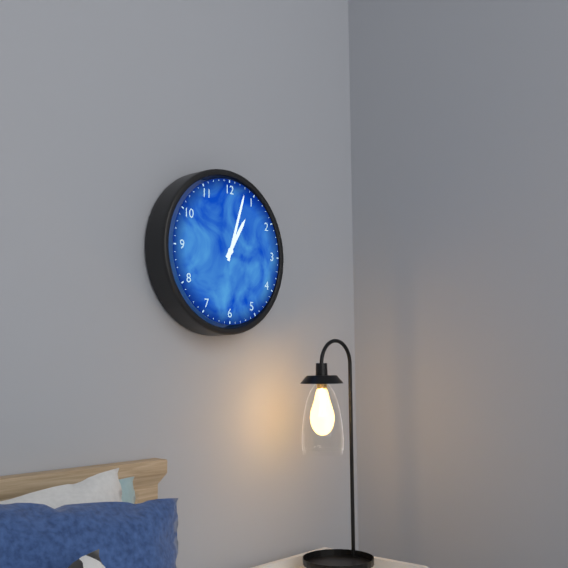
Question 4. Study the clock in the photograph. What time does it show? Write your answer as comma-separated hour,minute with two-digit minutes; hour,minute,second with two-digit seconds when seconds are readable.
1,03
